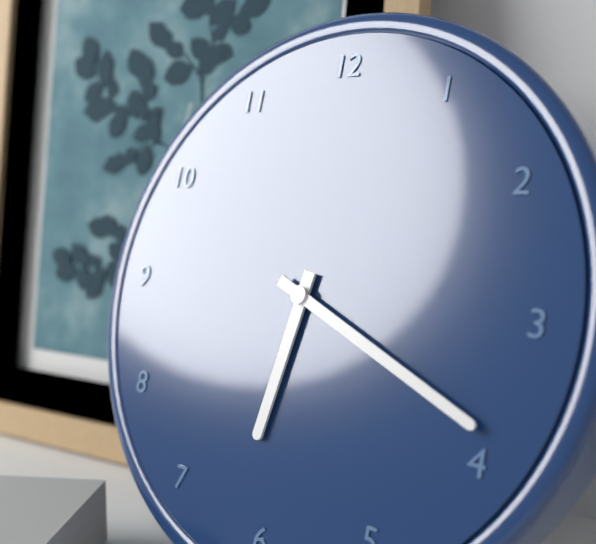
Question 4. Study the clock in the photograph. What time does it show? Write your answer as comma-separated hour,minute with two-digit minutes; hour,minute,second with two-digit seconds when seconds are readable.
6,19
